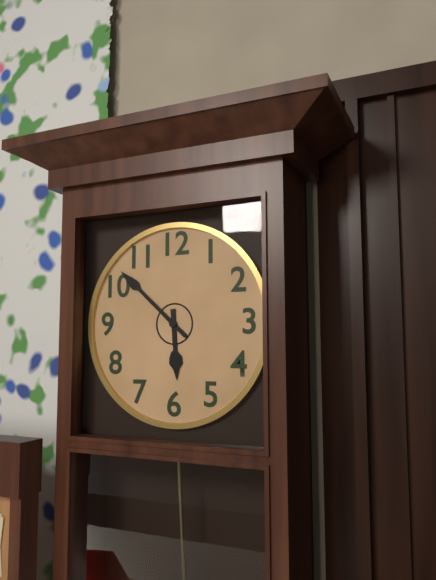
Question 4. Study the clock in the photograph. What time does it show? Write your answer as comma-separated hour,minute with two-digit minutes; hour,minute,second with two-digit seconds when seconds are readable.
5,52
